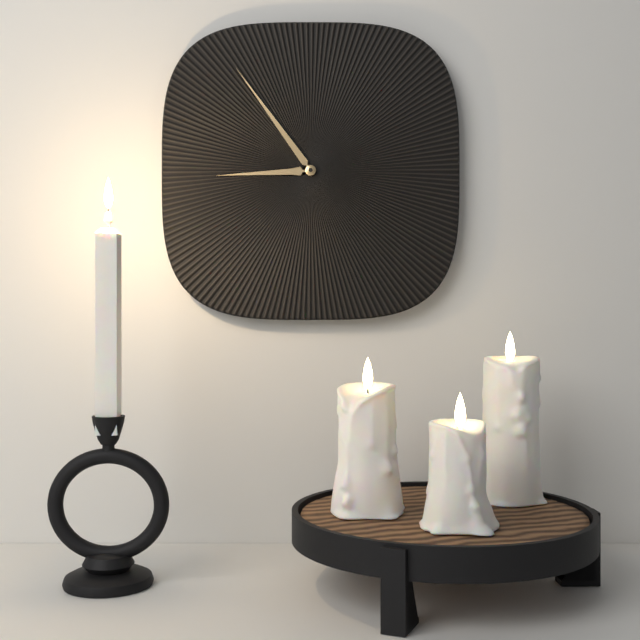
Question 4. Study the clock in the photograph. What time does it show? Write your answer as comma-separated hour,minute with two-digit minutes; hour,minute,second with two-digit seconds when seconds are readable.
8,54
